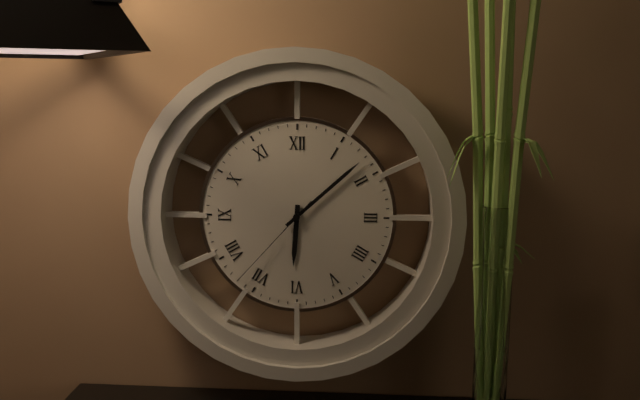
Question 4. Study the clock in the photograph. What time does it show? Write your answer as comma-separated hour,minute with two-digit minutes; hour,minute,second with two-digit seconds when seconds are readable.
6,08,37
